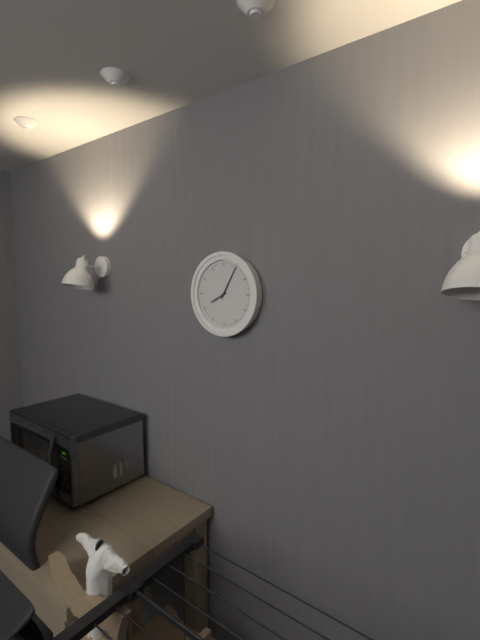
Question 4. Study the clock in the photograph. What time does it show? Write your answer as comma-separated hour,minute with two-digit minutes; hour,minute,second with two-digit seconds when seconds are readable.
8,05
